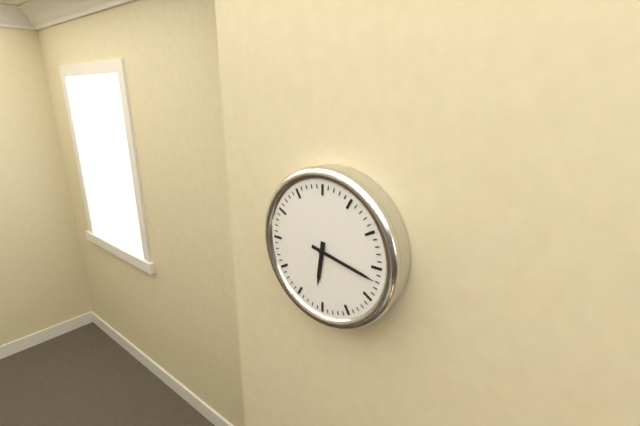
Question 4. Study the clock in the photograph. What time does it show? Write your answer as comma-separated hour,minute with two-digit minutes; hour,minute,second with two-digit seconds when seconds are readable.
6,17
